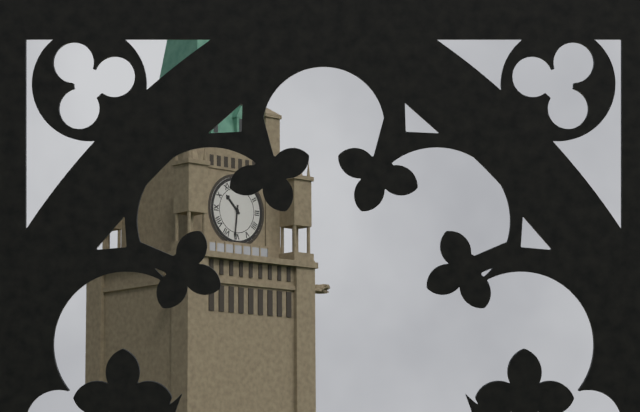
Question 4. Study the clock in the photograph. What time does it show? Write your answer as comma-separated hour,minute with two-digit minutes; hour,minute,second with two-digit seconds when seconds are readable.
10,31
